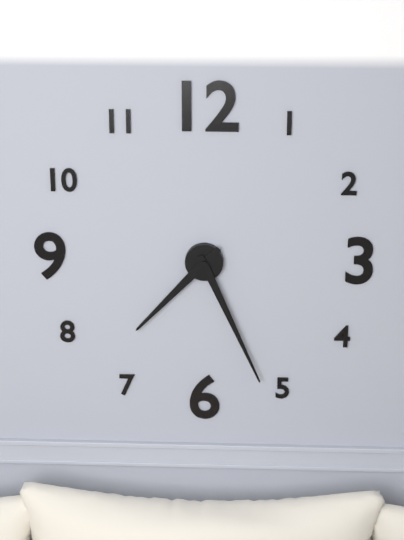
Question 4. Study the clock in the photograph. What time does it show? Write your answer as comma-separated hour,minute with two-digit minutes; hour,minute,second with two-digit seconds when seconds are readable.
7,26
